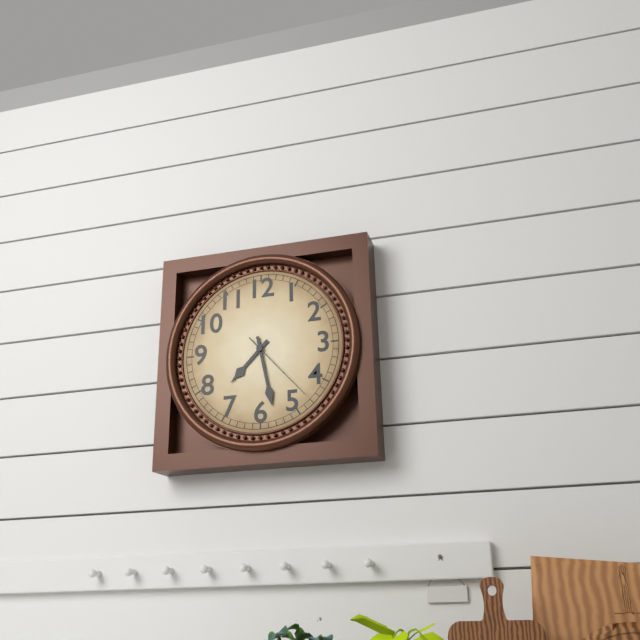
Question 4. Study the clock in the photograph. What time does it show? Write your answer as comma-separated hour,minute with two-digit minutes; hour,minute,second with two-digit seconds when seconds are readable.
7,28,23
